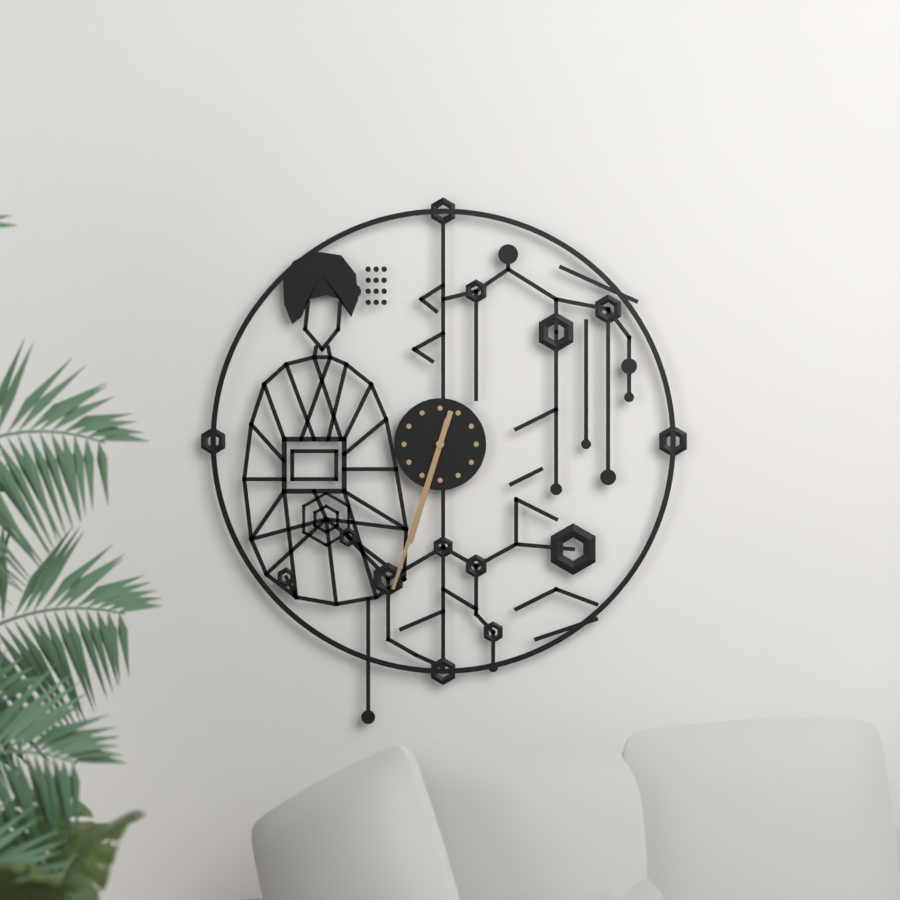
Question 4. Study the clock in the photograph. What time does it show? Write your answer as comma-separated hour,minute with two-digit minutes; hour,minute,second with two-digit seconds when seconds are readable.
6,33
